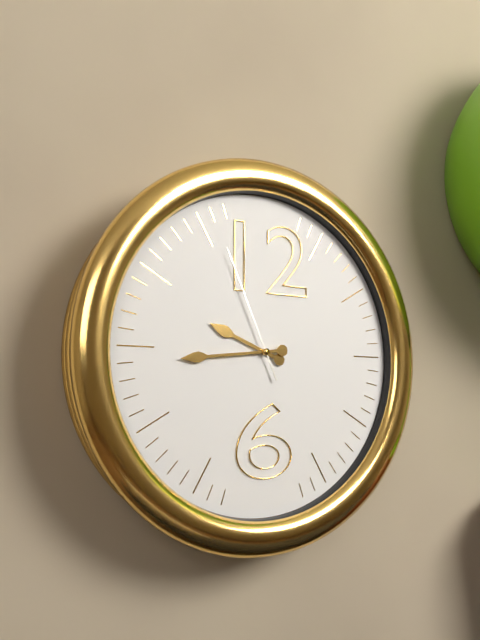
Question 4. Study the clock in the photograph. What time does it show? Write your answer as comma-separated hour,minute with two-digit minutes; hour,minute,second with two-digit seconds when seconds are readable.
9,44,56
